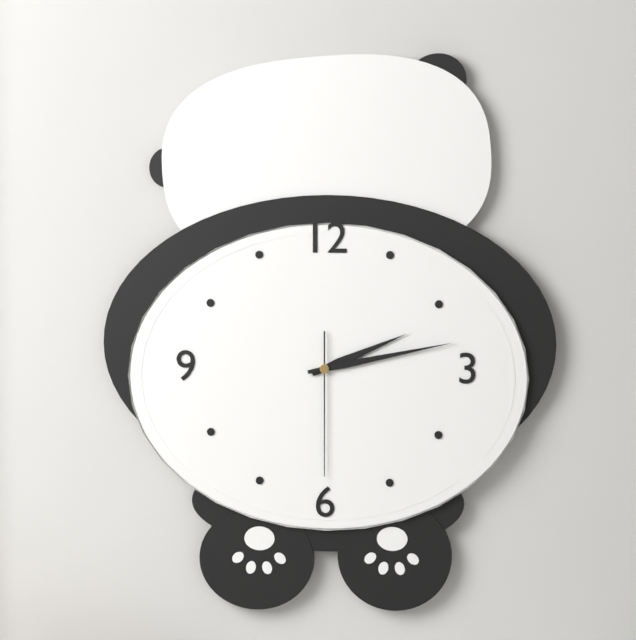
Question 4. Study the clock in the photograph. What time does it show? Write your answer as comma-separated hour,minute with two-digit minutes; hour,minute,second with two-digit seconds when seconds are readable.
2,13,30
